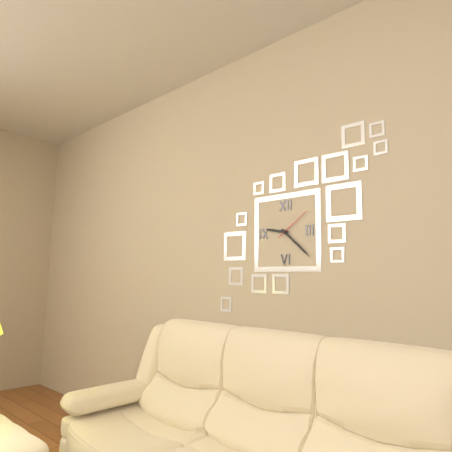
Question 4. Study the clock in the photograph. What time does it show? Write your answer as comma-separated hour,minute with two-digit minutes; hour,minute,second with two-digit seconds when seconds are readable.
9,22
